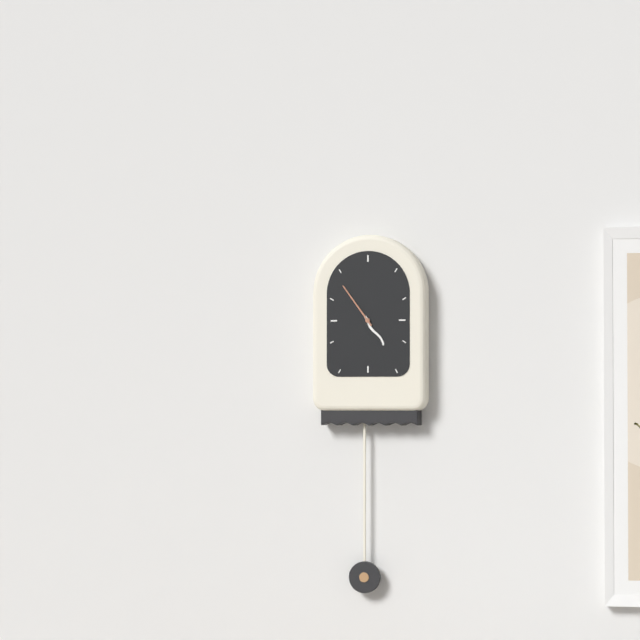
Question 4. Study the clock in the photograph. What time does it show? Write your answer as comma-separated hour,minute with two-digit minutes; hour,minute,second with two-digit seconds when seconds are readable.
4,54
